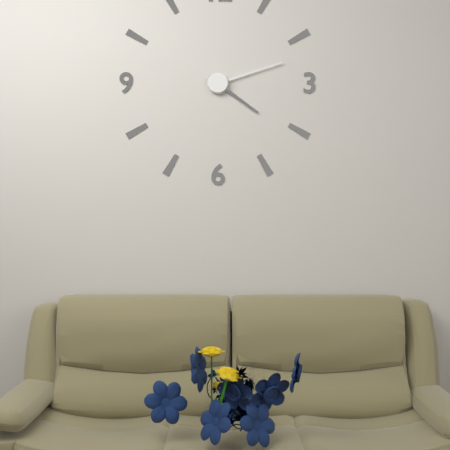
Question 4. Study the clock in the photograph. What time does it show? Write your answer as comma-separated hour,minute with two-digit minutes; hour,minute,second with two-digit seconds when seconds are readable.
4,12
